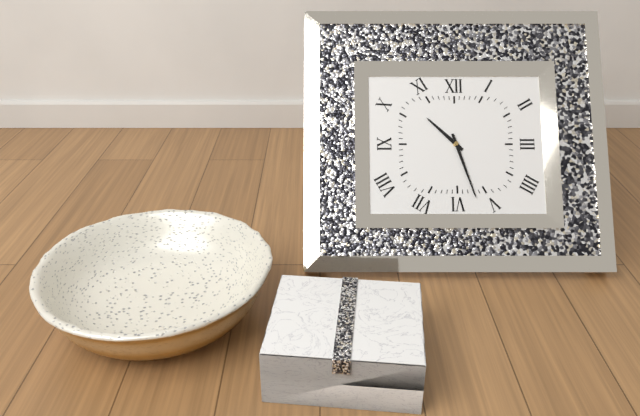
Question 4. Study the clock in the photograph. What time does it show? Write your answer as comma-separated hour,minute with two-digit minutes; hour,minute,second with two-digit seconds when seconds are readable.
10,27
